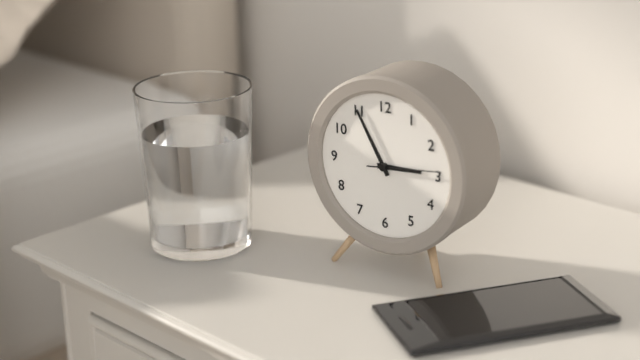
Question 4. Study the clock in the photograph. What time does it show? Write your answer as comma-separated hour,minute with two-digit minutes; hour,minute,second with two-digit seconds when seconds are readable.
2,55,14
